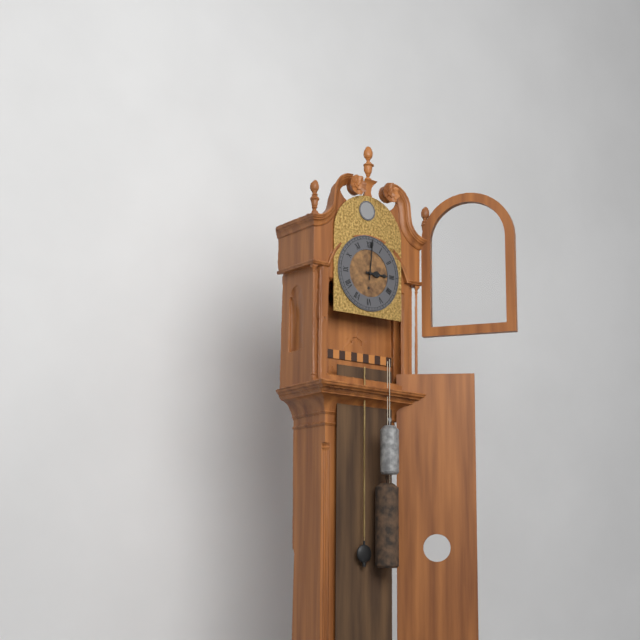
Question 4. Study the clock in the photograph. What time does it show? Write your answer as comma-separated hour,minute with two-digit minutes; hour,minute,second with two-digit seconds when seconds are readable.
3,01
